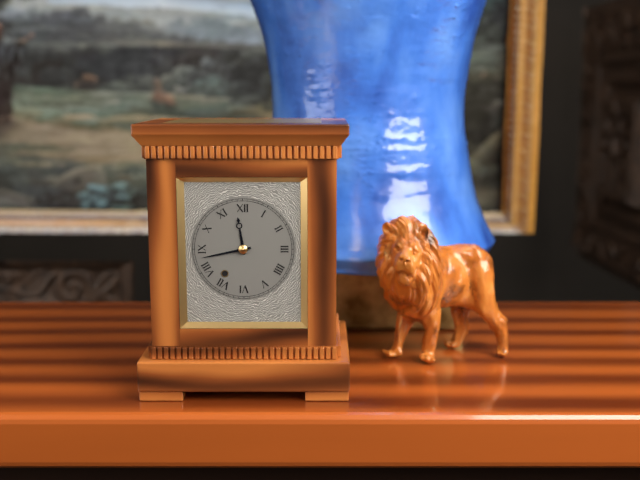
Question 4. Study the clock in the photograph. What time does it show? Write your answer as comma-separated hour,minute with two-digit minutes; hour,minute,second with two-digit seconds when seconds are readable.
11,43
